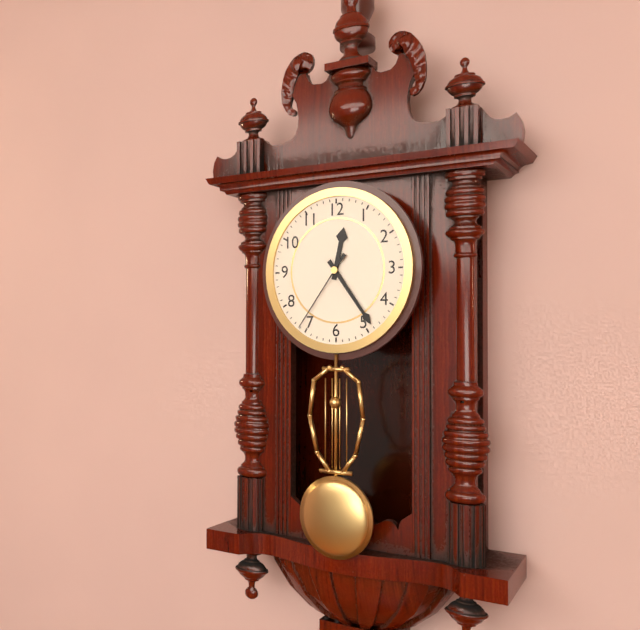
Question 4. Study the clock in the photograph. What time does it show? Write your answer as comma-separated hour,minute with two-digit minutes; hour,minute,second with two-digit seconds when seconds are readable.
12,24,36
